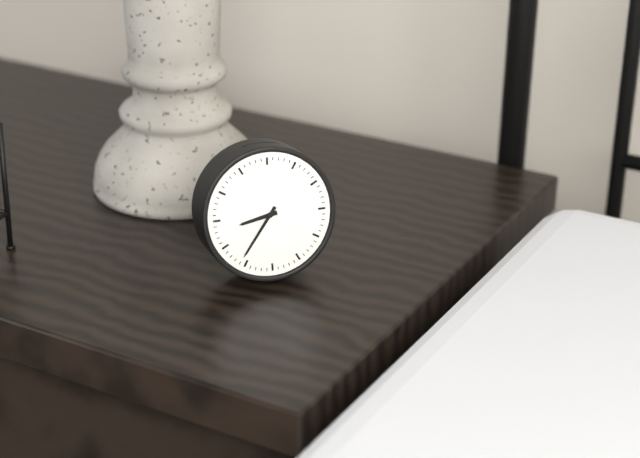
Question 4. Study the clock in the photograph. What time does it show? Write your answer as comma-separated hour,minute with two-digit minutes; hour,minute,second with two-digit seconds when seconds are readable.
8,36
